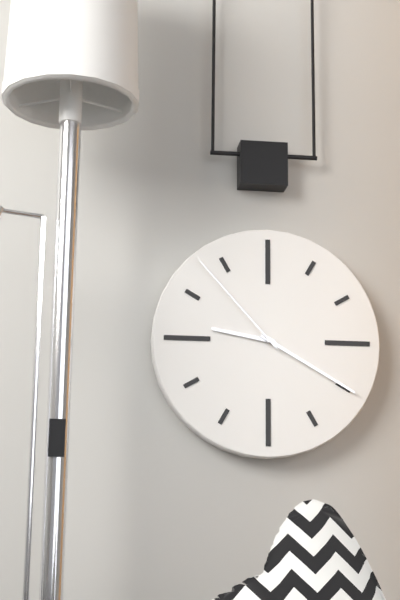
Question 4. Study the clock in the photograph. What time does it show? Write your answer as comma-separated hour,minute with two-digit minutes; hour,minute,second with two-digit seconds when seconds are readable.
9,20,53
